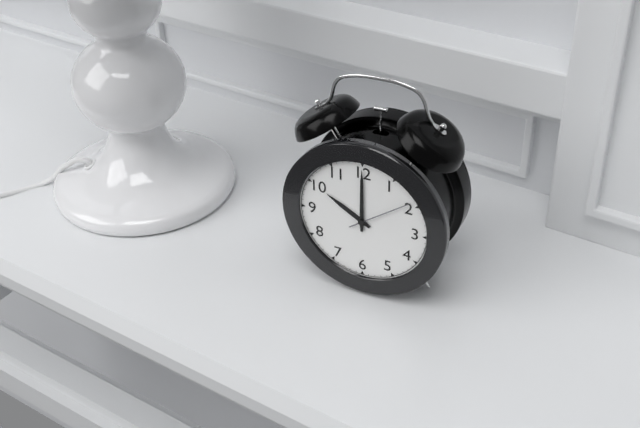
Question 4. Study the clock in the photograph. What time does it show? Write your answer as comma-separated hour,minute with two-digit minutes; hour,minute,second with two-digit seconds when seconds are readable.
10,00,09
